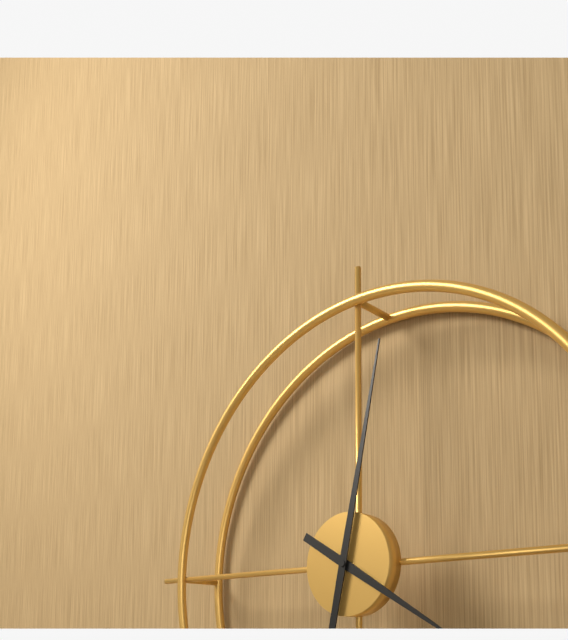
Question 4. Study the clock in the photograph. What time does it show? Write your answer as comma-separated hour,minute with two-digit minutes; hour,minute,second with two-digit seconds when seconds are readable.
4,02
